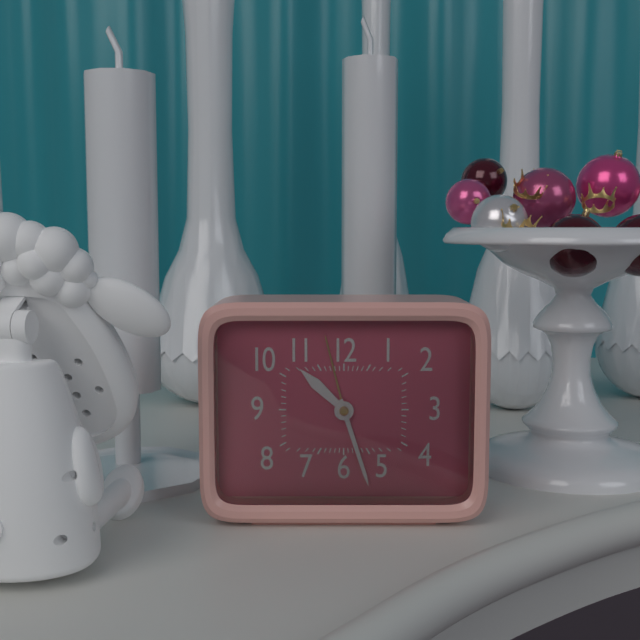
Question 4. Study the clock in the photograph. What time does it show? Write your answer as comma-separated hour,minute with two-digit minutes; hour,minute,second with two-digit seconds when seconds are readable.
10,27
